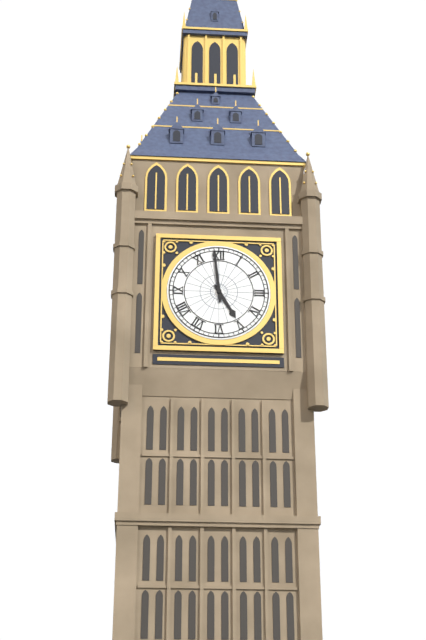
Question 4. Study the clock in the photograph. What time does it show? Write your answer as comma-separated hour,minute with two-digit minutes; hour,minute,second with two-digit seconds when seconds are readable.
4,59
